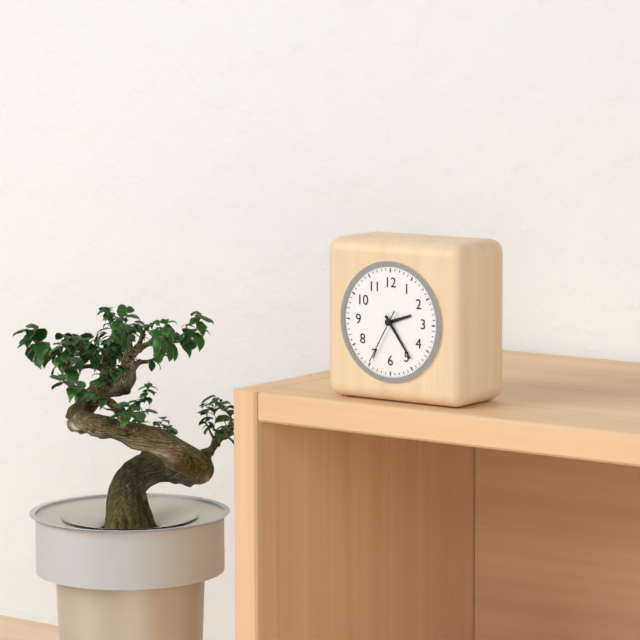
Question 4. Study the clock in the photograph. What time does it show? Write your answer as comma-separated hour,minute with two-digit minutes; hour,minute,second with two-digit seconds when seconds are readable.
2,24,35
